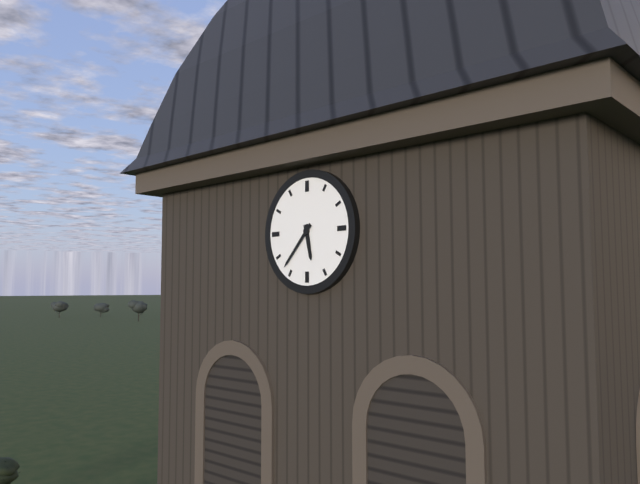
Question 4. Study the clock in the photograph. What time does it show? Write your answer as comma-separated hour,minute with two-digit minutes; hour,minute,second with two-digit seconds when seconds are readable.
5,37
